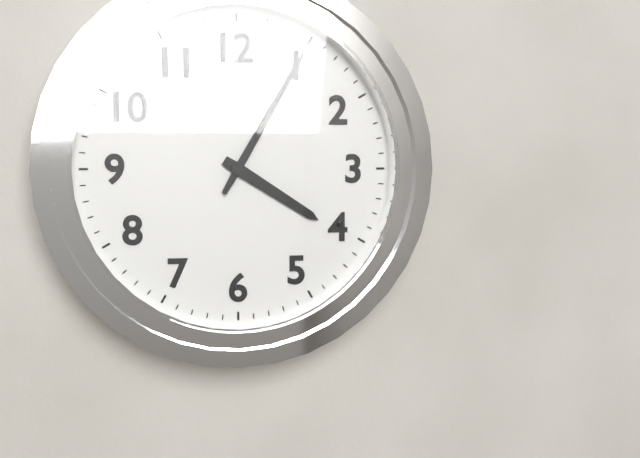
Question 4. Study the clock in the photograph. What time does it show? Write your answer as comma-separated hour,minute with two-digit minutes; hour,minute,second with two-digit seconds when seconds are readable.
4,05
